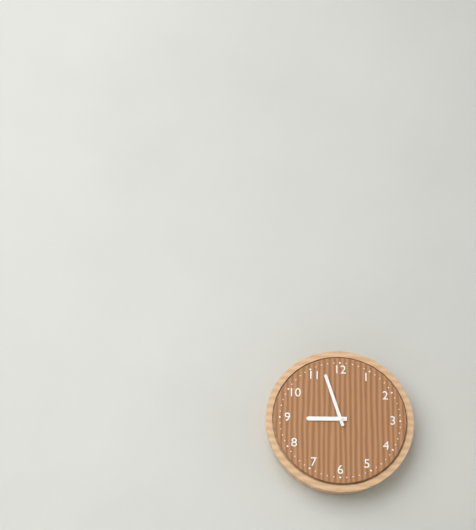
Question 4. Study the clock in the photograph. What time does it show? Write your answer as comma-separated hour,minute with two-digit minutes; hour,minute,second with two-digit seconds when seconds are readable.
8,57
